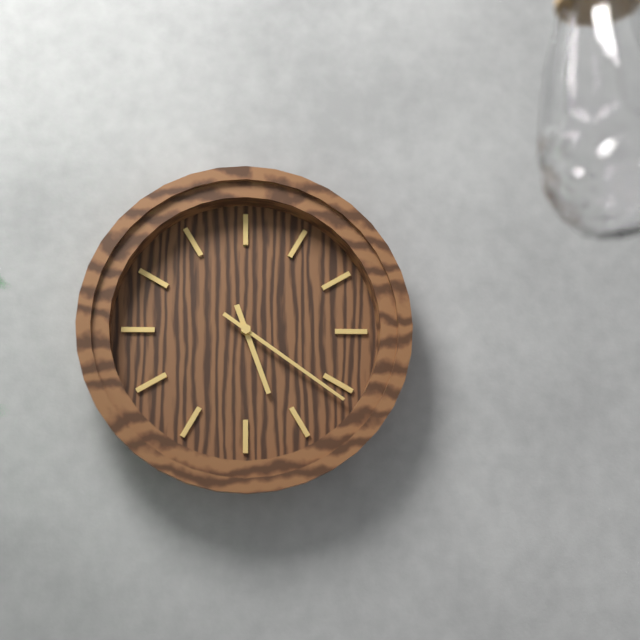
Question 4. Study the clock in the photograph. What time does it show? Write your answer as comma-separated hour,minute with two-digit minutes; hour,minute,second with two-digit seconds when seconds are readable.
5,21
